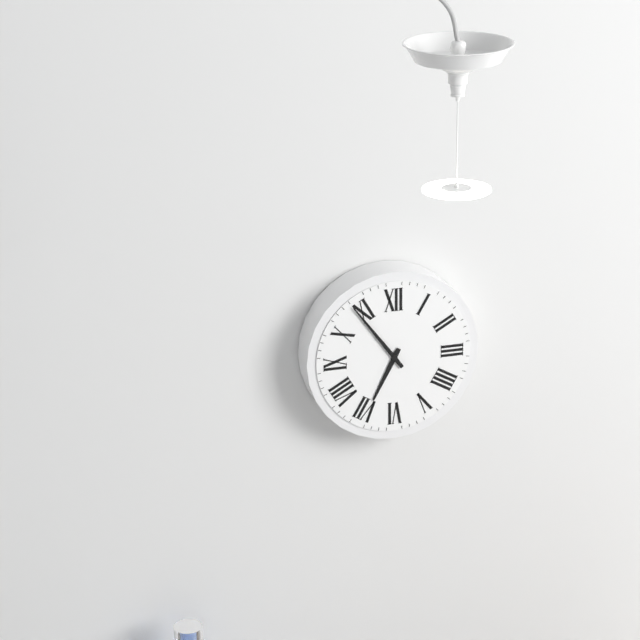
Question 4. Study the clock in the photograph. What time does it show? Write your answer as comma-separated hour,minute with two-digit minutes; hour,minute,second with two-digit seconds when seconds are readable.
6,54
